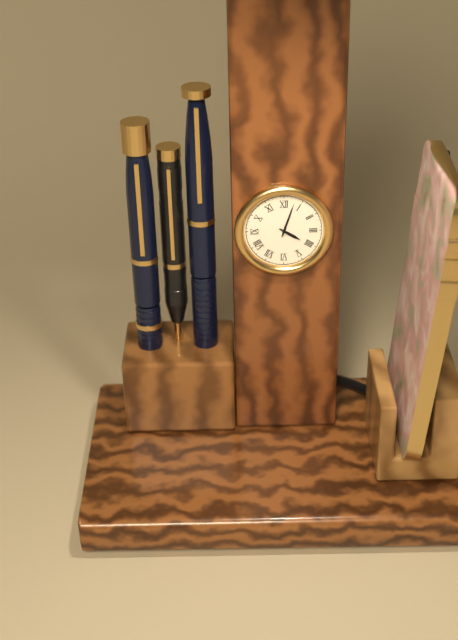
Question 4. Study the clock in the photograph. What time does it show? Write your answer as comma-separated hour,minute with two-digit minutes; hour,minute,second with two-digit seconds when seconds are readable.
4,03
